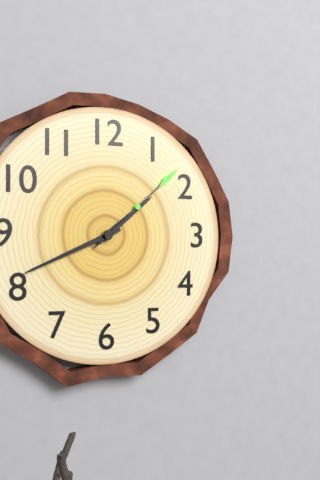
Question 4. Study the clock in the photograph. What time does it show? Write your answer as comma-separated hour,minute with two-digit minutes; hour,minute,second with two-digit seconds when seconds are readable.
1,41,08
